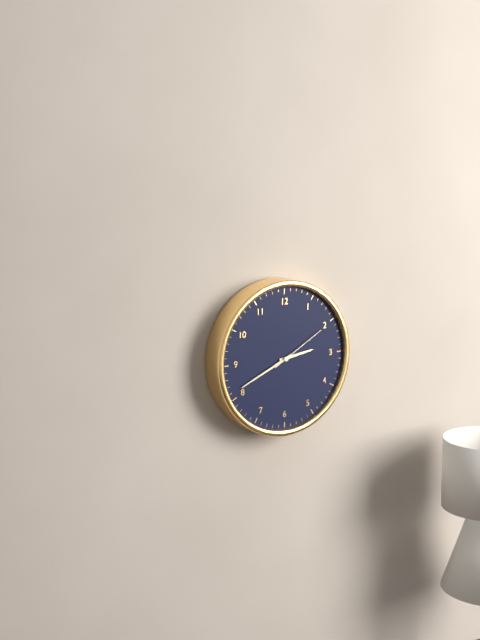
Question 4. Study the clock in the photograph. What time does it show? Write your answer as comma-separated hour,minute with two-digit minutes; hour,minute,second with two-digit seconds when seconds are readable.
2,41,10
